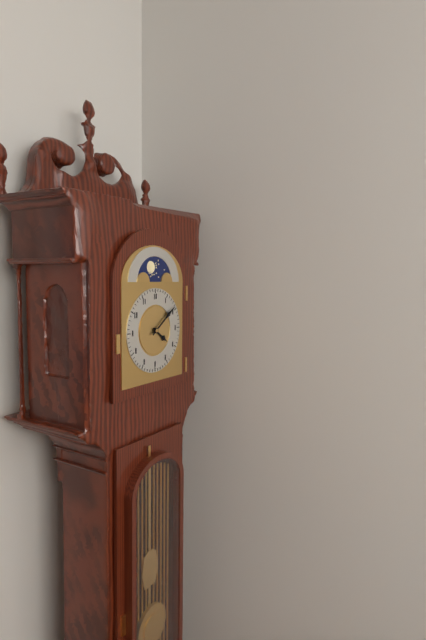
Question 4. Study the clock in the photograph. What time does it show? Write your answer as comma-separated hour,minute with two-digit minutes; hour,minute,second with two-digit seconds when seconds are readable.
4,09
